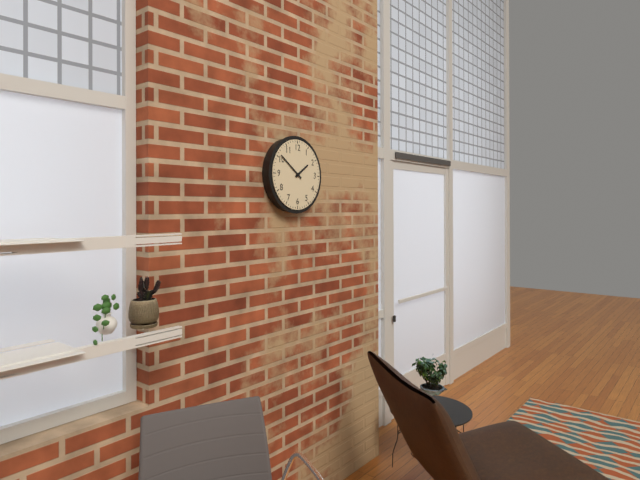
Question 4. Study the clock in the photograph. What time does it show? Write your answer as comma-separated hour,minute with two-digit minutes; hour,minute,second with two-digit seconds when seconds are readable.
1,51
